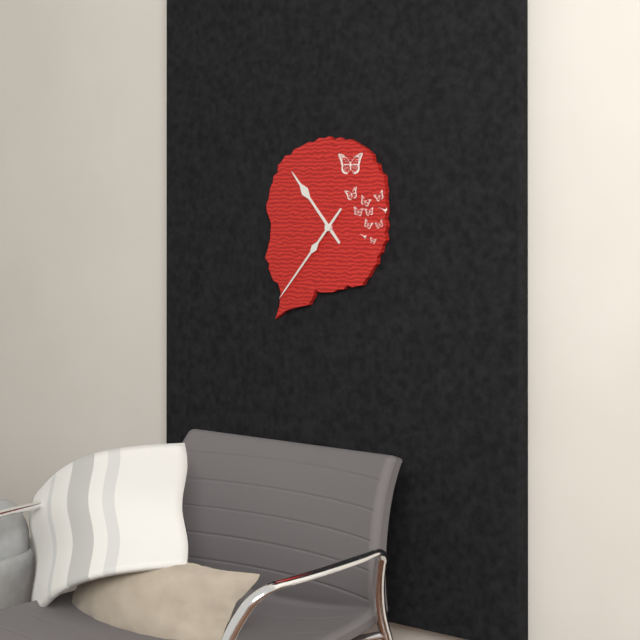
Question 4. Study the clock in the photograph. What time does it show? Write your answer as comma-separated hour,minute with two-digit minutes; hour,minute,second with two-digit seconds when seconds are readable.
10,37
